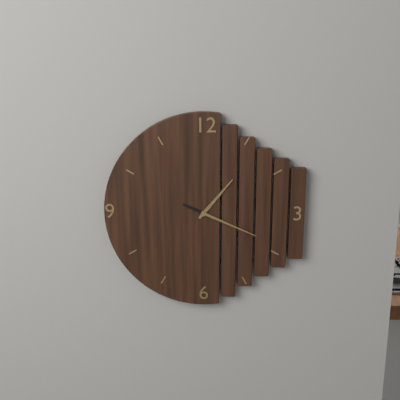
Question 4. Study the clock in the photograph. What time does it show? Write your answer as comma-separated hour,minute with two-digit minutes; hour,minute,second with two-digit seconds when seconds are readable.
1,19
